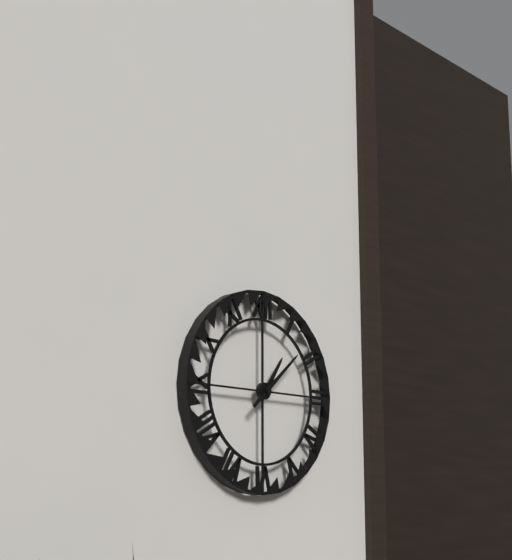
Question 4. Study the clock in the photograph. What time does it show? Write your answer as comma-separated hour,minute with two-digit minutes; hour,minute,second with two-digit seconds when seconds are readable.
1,08
